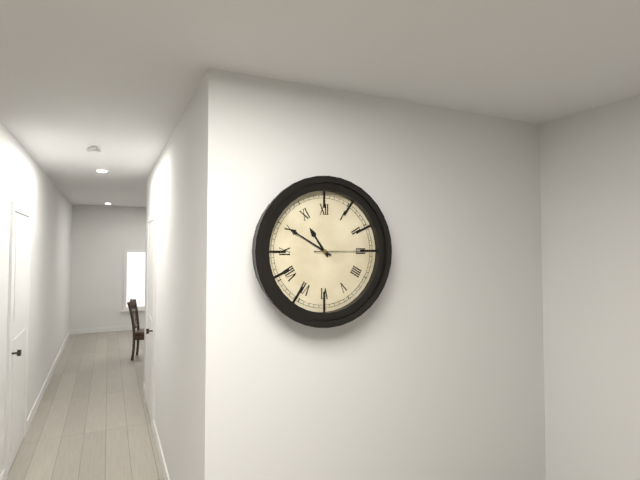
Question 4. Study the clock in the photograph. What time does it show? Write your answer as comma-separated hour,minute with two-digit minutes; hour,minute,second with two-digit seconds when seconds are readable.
10,50,15
